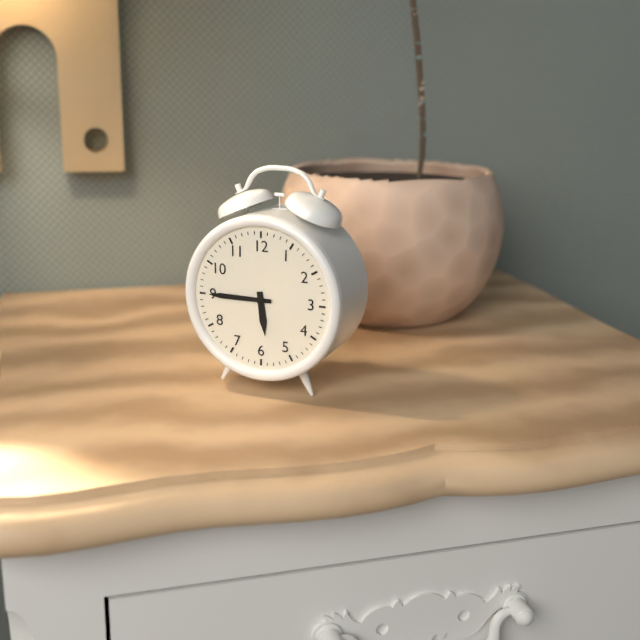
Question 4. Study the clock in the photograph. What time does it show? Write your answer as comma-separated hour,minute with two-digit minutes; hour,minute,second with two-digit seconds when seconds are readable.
5,45
